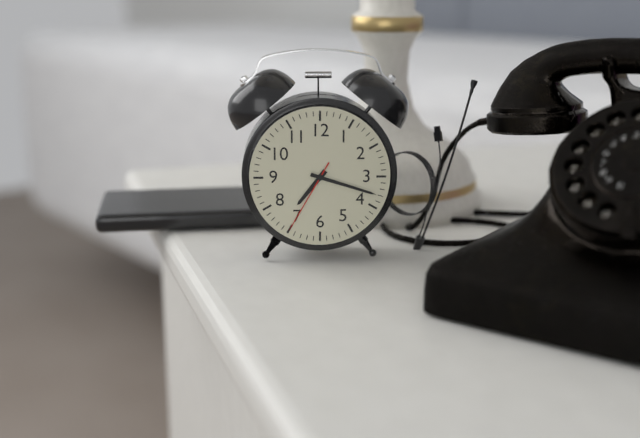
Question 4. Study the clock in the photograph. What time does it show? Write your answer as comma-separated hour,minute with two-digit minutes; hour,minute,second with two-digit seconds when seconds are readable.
7,18,35
